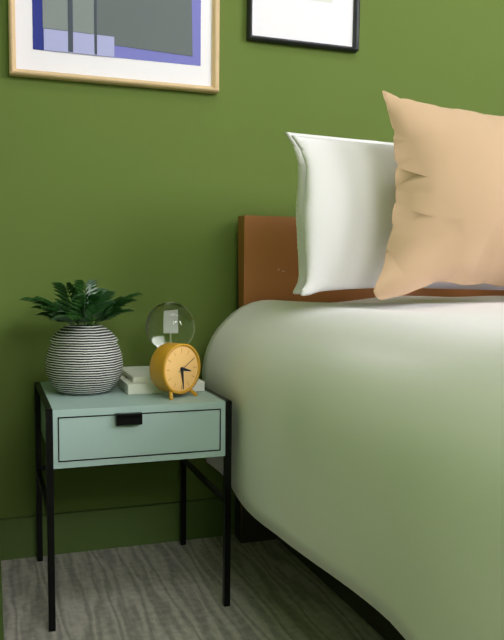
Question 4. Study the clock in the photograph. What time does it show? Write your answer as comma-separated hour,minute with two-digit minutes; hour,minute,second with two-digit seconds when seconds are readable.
3,29
